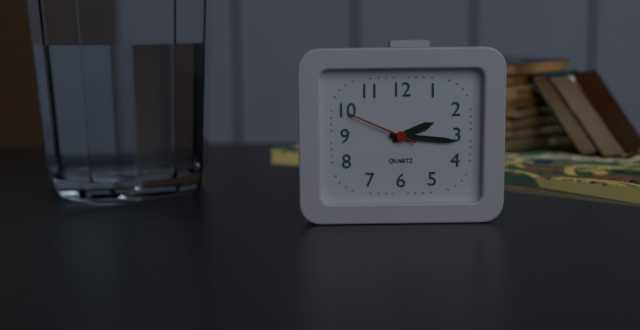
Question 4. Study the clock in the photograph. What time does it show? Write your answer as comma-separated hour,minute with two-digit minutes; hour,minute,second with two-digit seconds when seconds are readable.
2,16,49
